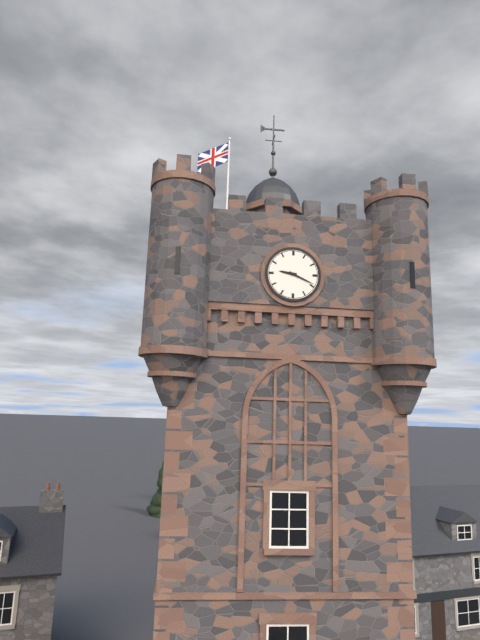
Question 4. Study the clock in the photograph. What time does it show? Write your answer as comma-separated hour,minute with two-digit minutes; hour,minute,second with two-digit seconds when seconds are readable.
9,19
